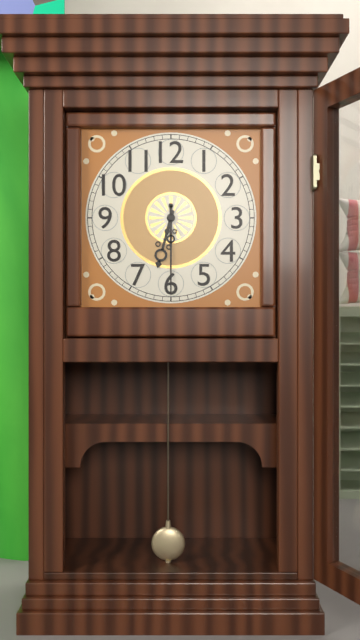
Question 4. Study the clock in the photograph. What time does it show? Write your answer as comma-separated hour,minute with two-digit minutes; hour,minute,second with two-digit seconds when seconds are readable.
6,30
